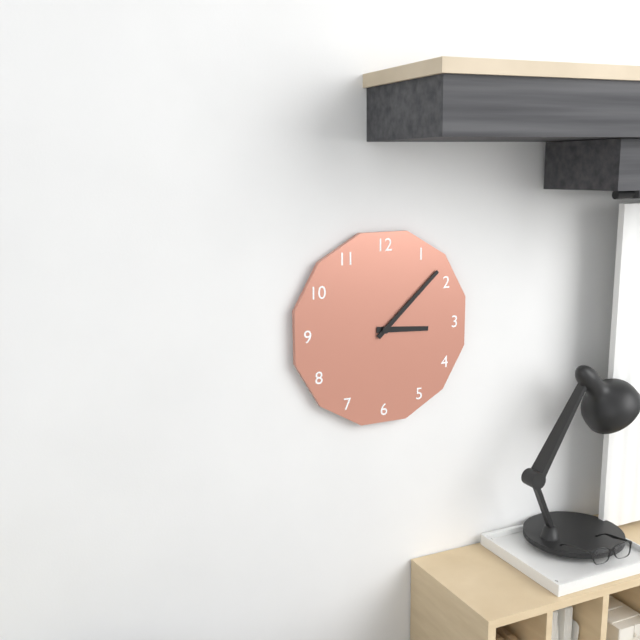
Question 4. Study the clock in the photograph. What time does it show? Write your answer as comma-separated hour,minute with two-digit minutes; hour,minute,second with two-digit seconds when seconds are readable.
3,08
